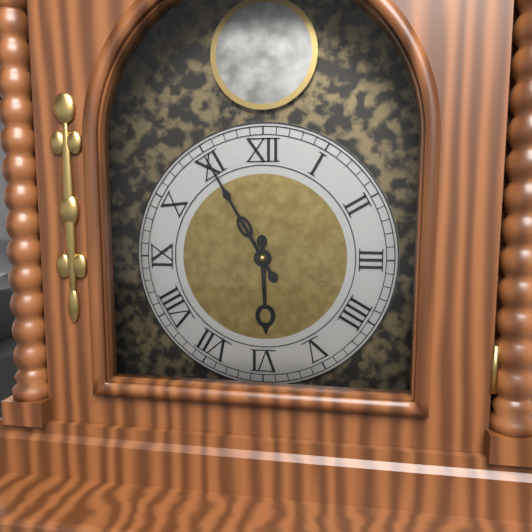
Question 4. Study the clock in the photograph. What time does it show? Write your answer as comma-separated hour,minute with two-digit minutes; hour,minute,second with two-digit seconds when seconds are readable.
5,55
